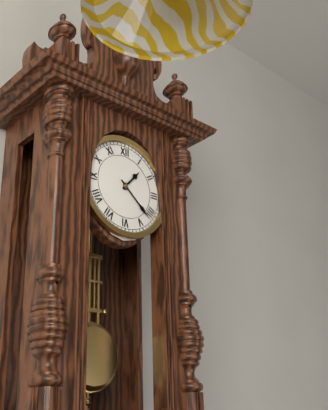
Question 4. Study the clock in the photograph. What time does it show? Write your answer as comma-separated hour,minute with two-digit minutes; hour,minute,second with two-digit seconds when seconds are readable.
1,22
